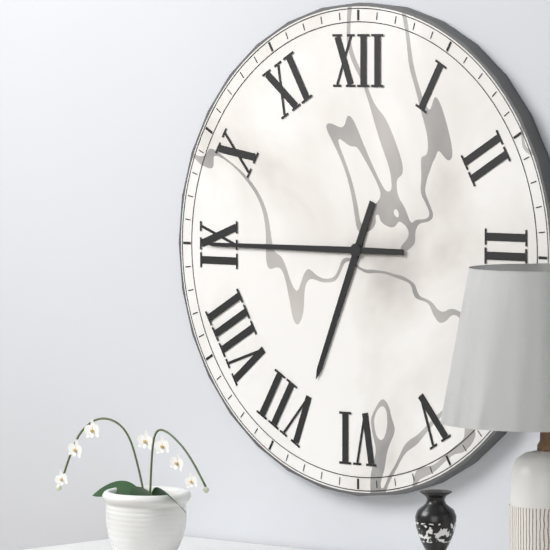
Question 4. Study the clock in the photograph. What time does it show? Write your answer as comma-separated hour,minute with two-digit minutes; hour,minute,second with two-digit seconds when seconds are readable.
6,45
